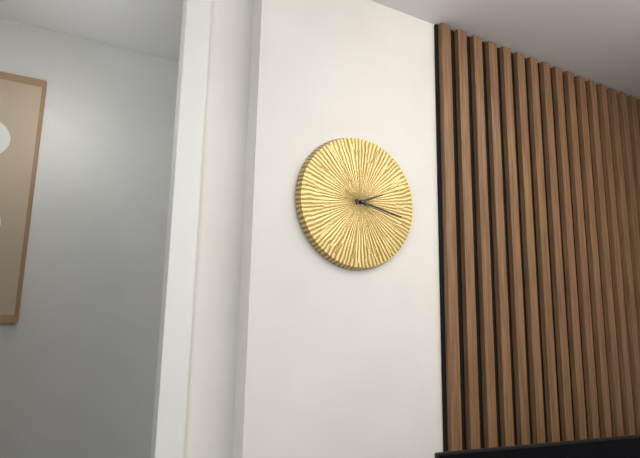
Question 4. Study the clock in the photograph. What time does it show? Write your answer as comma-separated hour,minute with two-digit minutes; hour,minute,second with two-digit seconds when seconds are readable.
2,17
